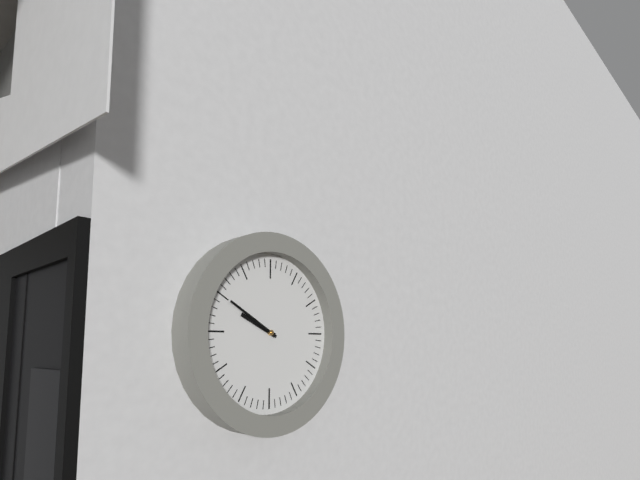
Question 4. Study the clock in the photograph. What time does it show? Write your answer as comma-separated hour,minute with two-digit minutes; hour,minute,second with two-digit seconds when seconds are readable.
9,50
